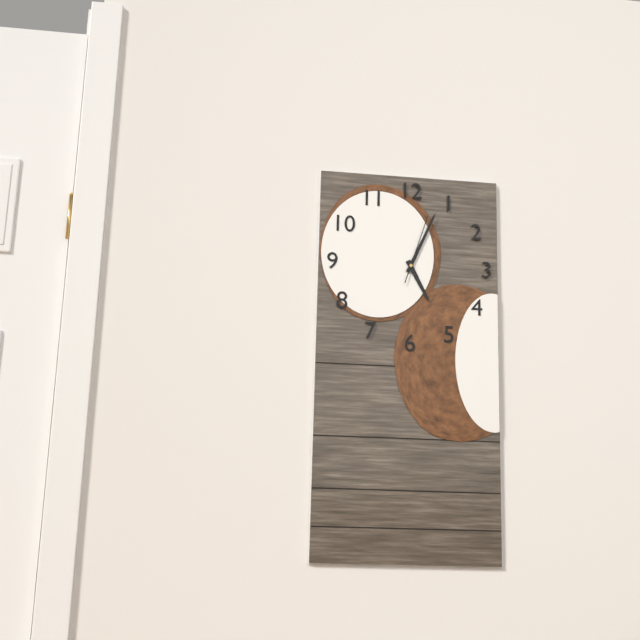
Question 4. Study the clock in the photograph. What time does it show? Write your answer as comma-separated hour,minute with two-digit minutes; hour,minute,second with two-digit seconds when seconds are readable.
5,04,03
